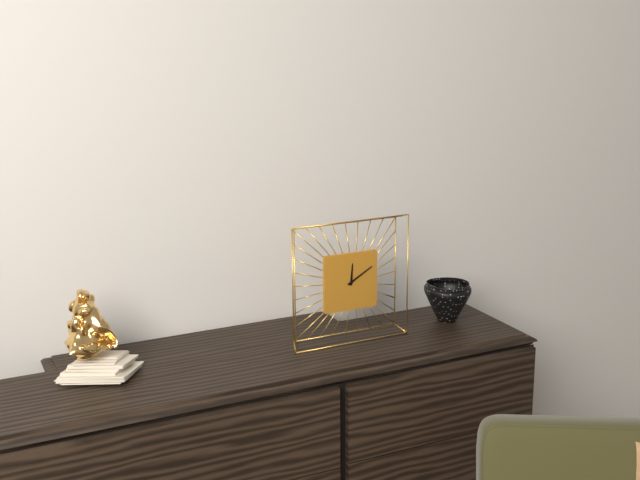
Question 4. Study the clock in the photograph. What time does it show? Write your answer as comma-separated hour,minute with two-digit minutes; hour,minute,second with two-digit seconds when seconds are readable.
12,10
